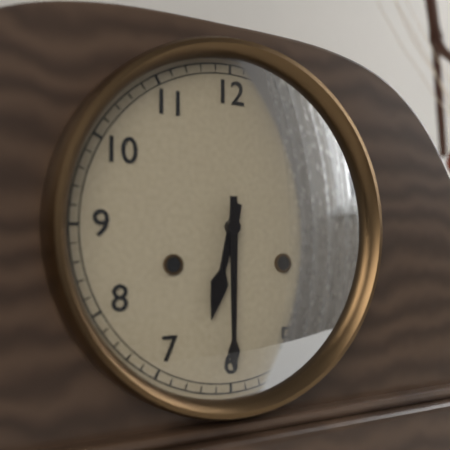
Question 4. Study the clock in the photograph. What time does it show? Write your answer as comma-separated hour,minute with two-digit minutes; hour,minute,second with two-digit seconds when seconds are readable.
6,30
